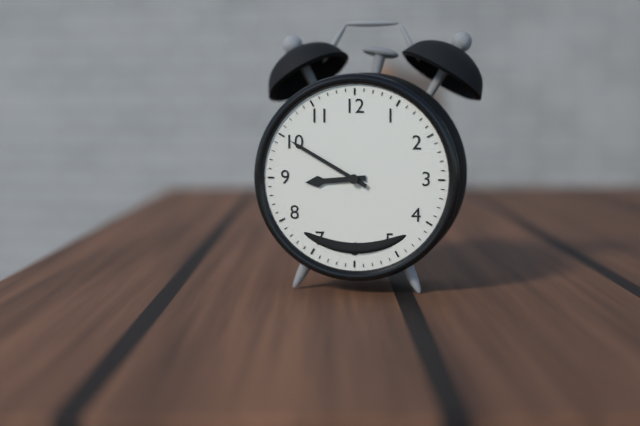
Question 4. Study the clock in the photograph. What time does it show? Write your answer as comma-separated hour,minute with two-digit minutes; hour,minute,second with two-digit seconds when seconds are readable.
8,50
